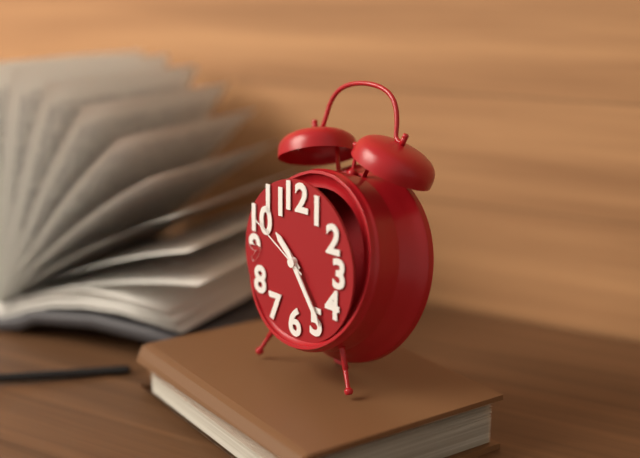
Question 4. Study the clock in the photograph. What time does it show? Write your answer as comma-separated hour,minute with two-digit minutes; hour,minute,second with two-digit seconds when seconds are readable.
10,24,50
